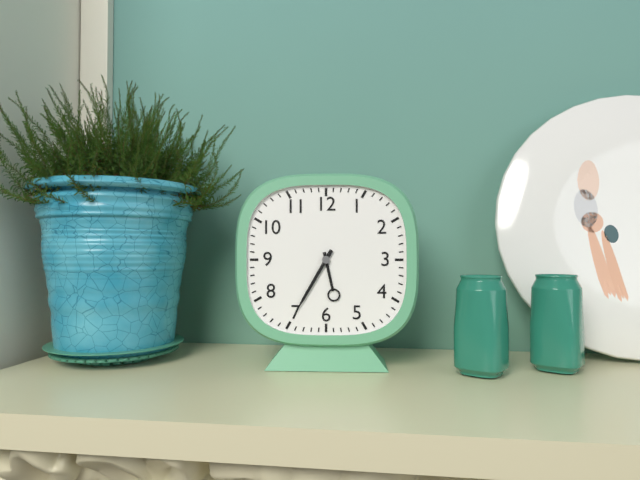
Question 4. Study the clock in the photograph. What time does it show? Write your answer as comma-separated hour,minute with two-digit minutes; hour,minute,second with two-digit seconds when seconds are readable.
5,35
